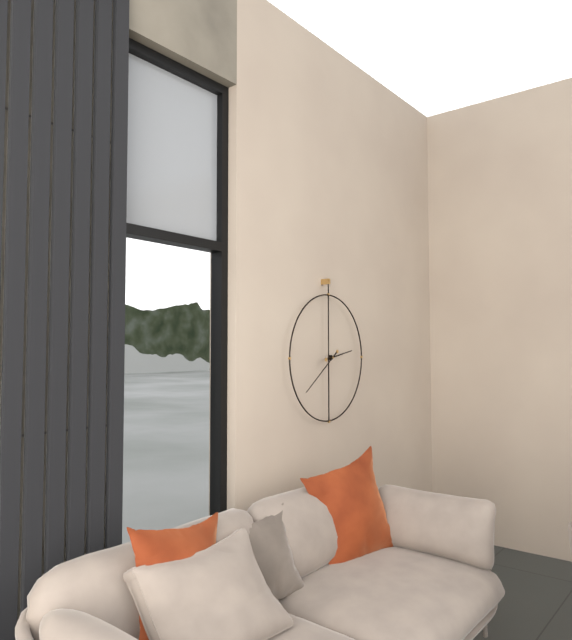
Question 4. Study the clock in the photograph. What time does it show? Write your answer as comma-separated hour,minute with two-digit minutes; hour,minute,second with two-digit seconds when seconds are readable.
2,39
